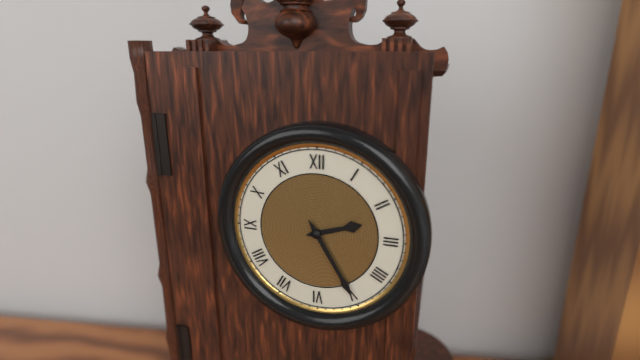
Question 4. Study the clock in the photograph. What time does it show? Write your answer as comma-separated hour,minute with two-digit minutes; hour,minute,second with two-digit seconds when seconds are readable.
2,25
